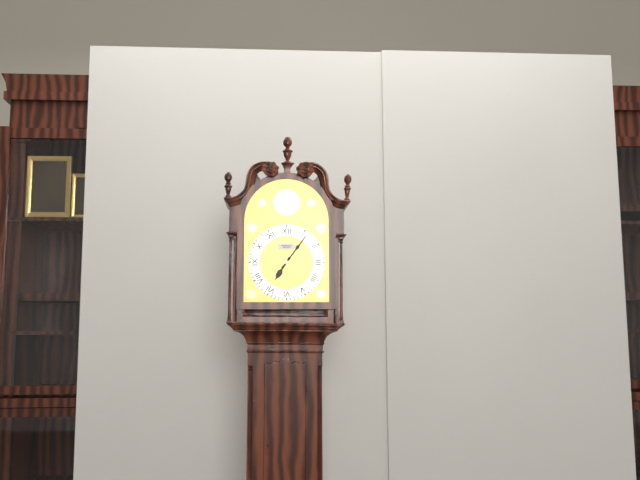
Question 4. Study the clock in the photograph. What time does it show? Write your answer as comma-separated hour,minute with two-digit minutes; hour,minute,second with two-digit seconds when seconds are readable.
7,06
